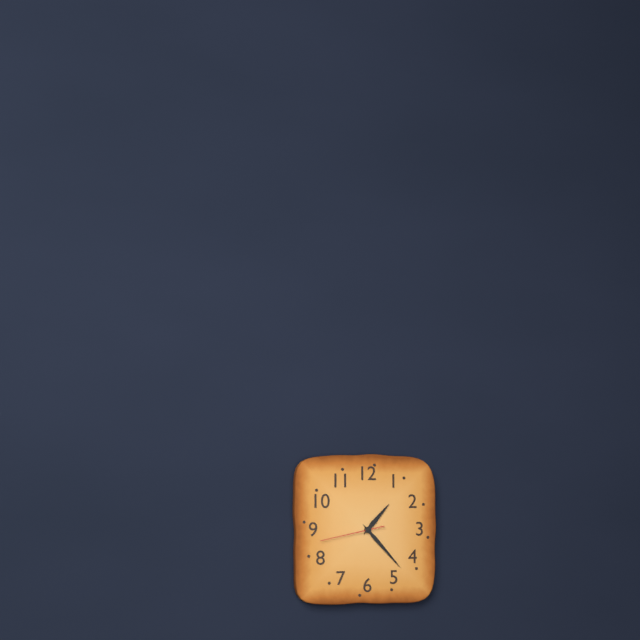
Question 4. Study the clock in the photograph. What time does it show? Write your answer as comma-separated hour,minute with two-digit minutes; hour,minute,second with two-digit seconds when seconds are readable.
1,23,43
